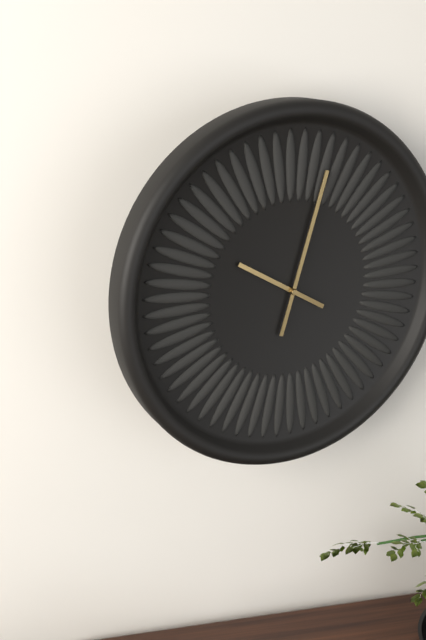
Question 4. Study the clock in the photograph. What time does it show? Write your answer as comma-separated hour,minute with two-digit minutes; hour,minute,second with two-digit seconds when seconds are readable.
10,03
